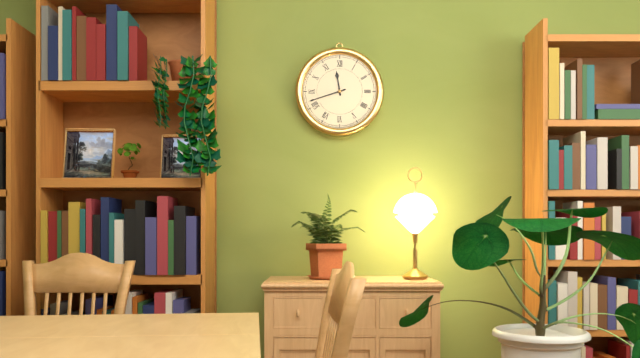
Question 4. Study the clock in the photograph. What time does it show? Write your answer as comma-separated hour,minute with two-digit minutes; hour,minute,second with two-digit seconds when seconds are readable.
11,42
